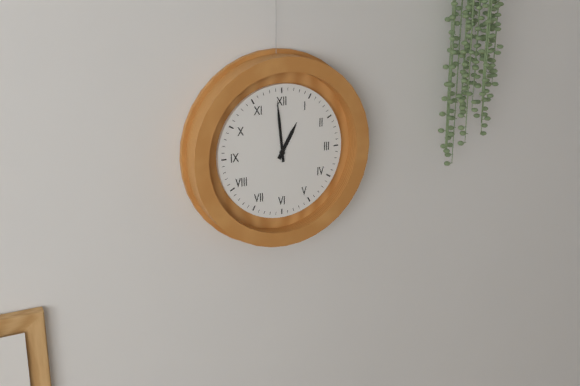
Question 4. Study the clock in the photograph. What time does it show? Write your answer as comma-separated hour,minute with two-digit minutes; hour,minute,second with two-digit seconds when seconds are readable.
12,59
